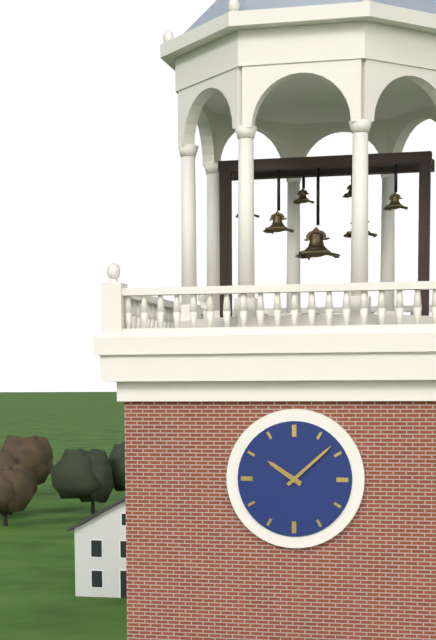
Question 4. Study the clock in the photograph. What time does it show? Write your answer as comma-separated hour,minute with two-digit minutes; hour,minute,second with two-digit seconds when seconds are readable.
10,08
